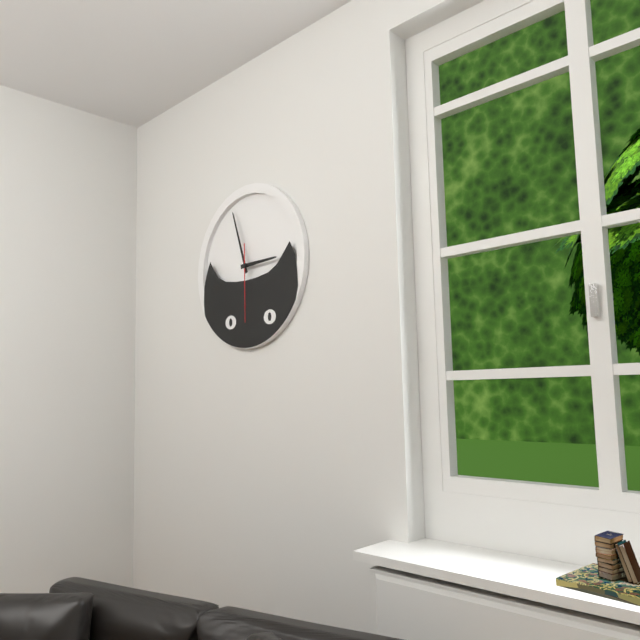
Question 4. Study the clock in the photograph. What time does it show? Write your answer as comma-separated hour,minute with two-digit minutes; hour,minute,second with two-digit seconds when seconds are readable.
2,57,30
